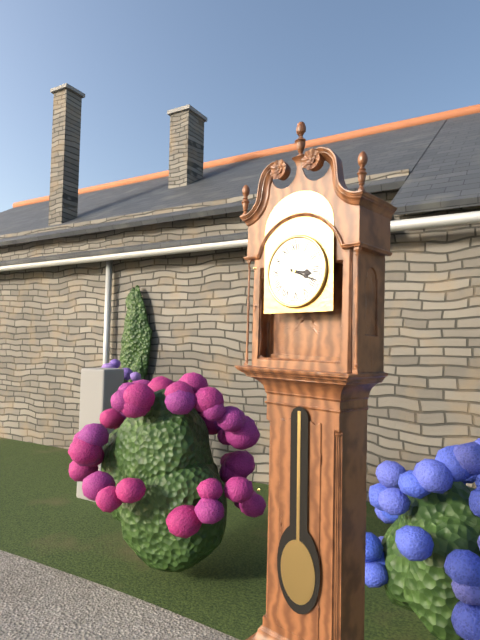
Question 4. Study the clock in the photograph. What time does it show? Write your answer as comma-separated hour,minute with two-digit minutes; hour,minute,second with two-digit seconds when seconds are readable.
3,19
